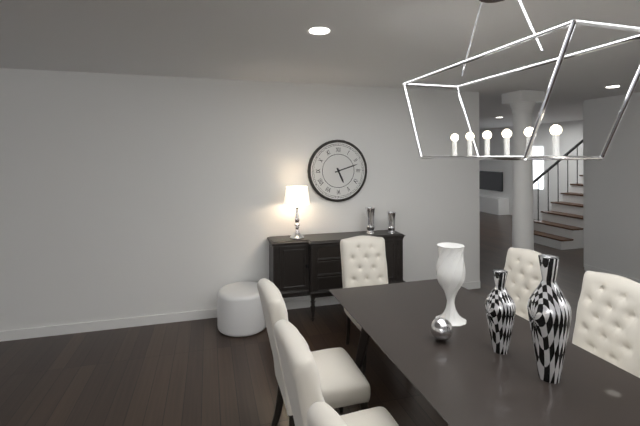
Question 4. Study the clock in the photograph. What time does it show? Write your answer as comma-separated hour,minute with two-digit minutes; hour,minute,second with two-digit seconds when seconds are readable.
5,12
